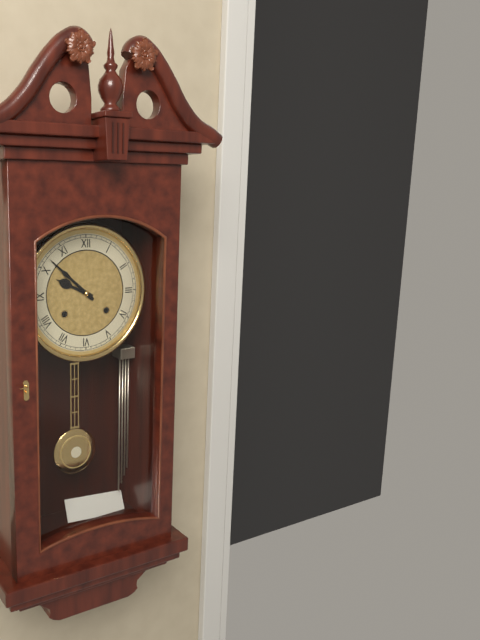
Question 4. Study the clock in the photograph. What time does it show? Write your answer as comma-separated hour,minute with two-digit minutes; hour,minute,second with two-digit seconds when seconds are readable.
9,52
